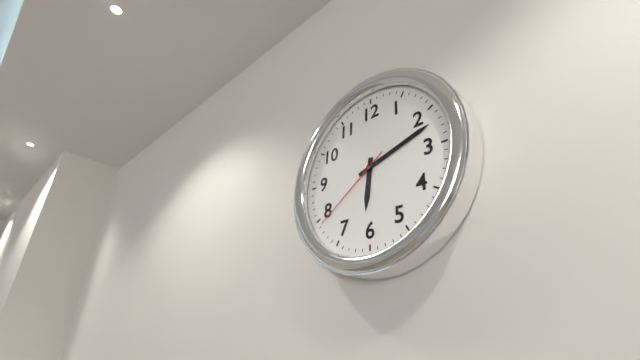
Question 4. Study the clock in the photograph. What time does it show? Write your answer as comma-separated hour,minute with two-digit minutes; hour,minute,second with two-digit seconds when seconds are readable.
6,12,39
